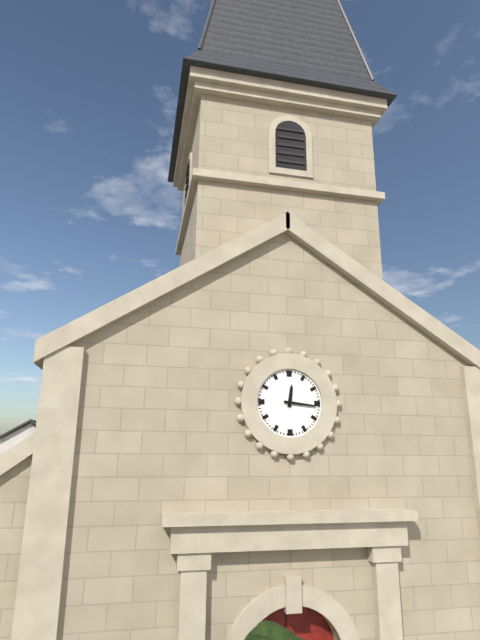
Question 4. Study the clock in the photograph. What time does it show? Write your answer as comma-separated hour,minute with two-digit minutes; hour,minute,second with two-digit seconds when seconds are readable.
12,16
